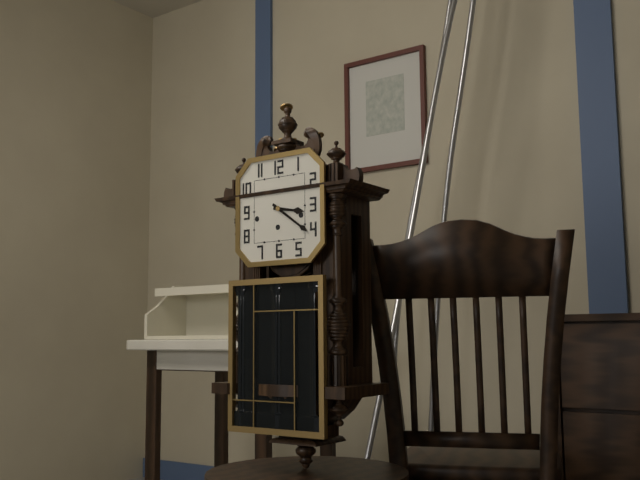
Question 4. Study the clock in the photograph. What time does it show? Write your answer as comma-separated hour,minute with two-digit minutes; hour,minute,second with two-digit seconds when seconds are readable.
3,21
